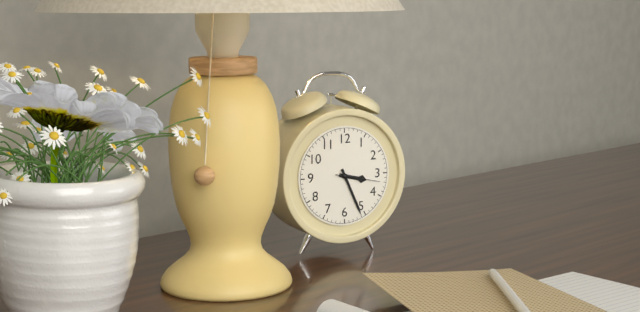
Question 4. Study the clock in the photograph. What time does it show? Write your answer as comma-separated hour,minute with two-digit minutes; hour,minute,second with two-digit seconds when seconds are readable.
3,26
